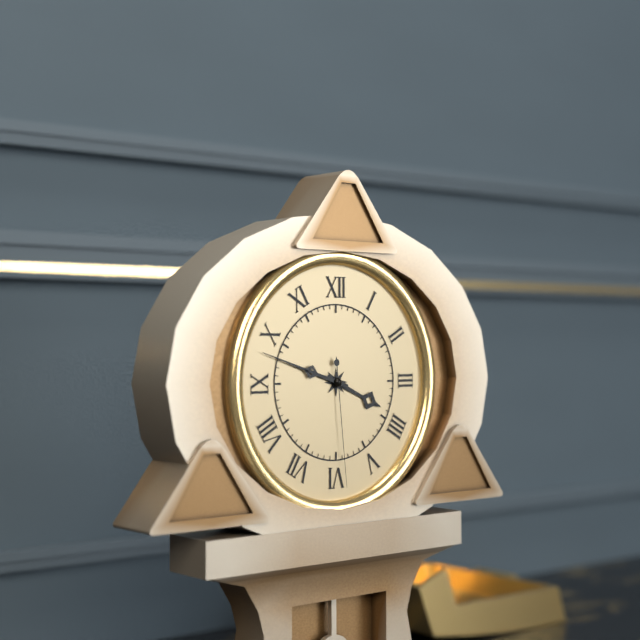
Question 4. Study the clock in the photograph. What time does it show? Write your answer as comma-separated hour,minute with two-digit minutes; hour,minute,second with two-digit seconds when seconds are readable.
3,48,29
